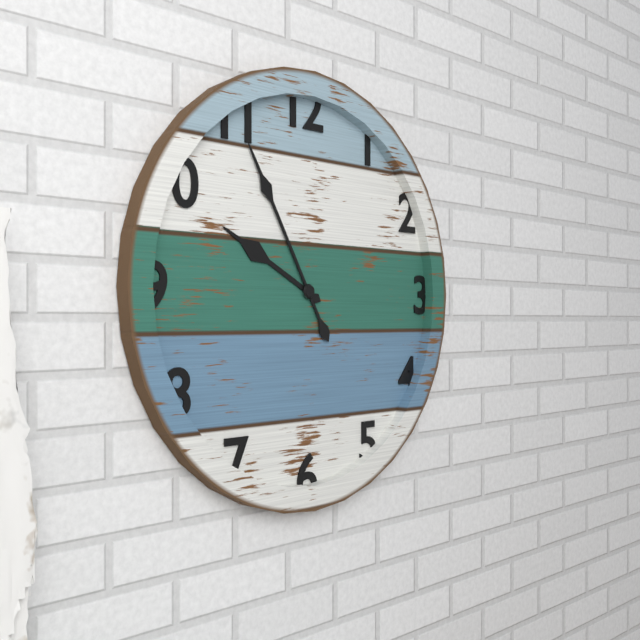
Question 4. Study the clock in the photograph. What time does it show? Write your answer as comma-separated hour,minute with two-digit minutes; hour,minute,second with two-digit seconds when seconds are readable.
9,55
